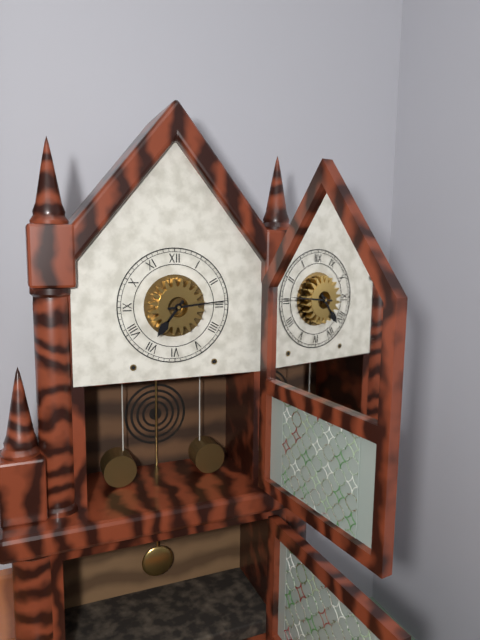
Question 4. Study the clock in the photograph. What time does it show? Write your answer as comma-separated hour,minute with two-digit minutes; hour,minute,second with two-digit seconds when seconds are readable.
7,14
